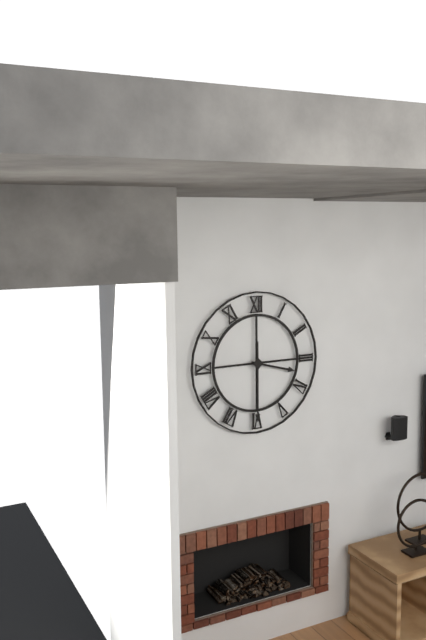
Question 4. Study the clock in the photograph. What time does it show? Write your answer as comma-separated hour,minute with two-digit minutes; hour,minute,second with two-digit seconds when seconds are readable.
3,30
